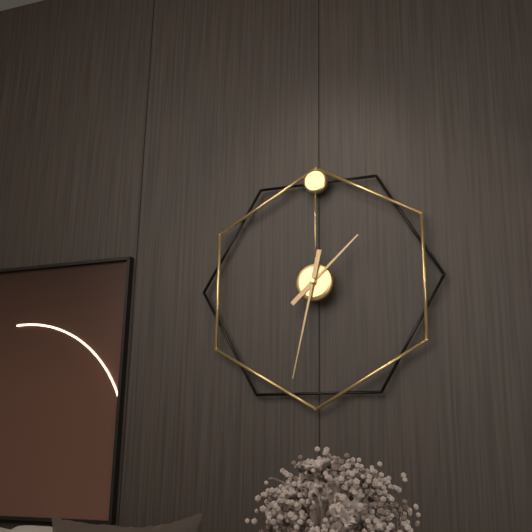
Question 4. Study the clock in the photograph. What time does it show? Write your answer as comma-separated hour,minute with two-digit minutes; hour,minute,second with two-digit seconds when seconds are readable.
1,32
